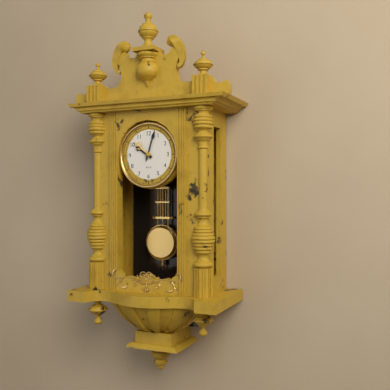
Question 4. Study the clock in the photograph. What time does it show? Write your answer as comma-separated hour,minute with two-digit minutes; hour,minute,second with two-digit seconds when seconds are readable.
10,03
